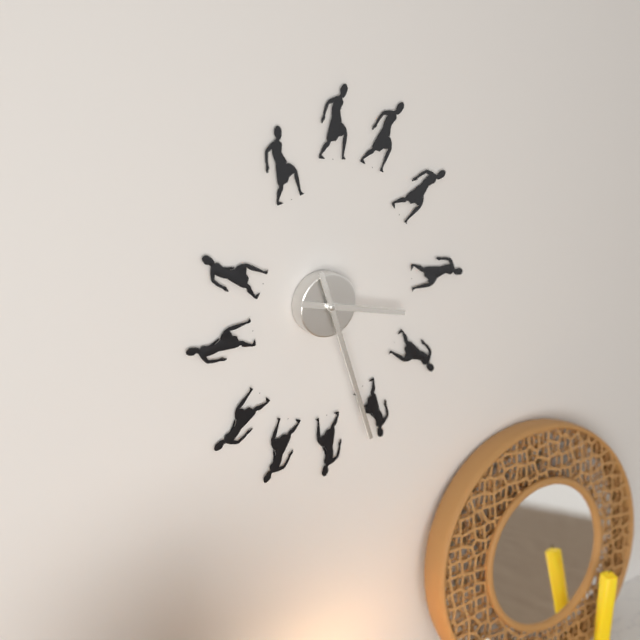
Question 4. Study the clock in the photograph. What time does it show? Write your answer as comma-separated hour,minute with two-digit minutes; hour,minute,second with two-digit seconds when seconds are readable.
3,27
